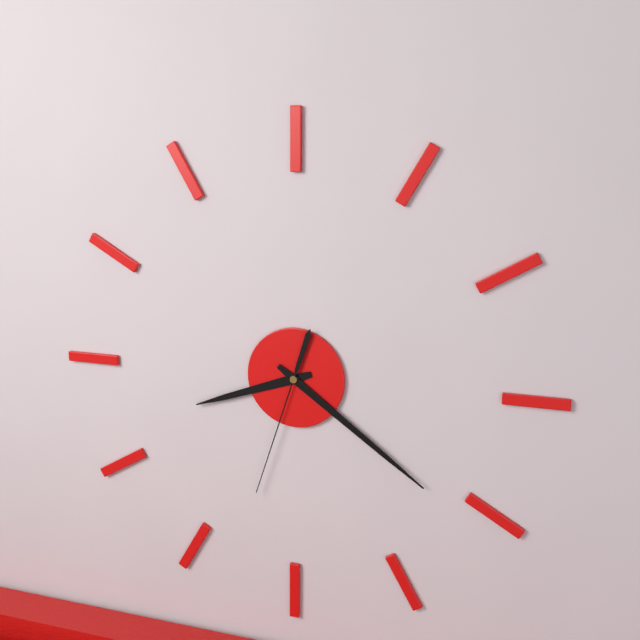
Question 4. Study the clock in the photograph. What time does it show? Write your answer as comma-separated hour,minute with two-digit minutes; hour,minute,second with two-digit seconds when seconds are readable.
8,21,33
